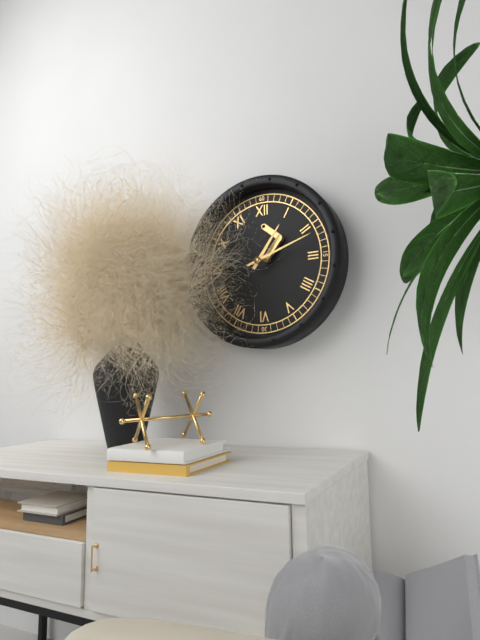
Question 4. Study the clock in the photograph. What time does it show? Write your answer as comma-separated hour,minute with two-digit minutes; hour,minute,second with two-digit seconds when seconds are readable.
1,12
